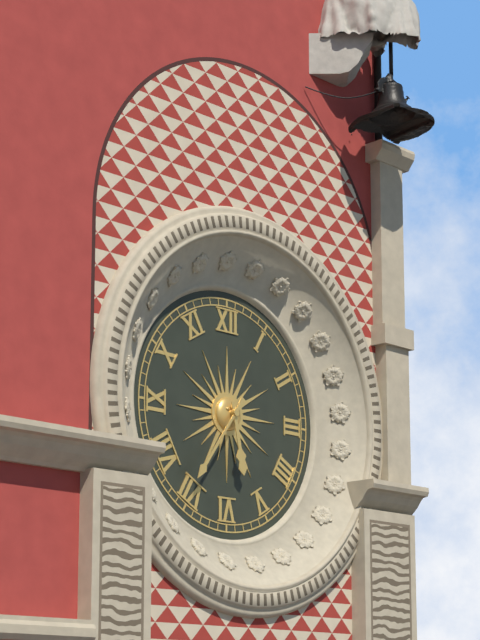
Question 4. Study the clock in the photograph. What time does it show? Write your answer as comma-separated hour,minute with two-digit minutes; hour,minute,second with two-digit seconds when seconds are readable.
5,36
